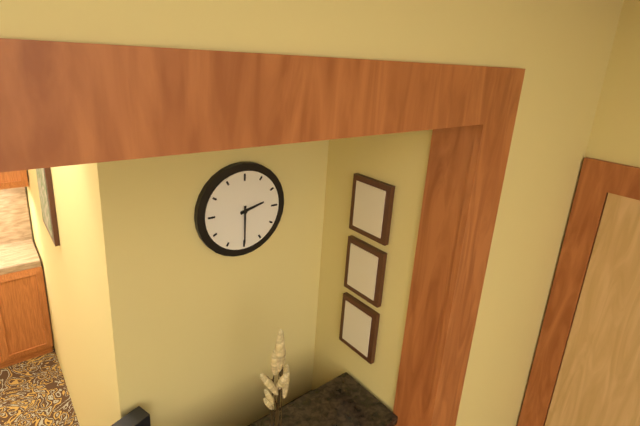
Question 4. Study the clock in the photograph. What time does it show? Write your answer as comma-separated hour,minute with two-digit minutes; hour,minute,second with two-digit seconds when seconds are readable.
2,30
